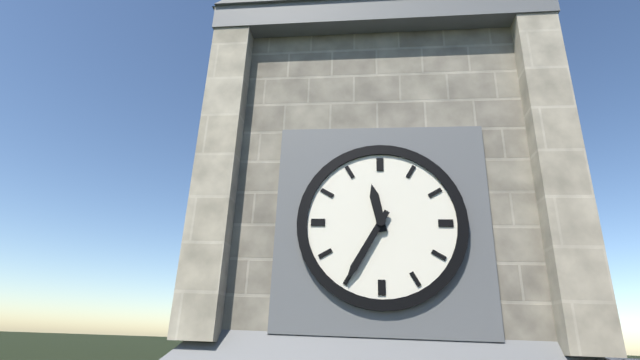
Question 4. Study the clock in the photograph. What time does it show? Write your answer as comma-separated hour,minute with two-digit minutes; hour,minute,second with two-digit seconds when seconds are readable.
11,35
